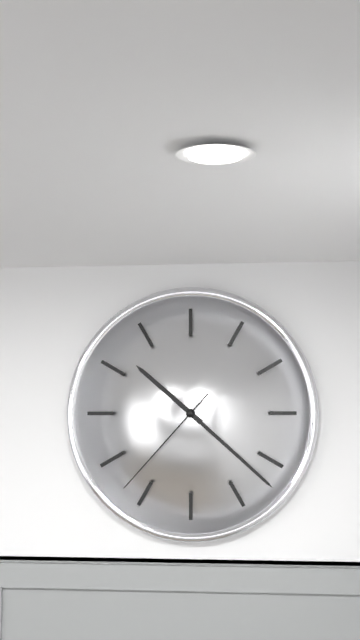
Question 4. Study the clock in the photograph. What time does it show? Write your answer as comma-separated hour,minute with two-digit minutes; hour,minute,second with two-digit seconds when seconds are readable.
10,22,37
